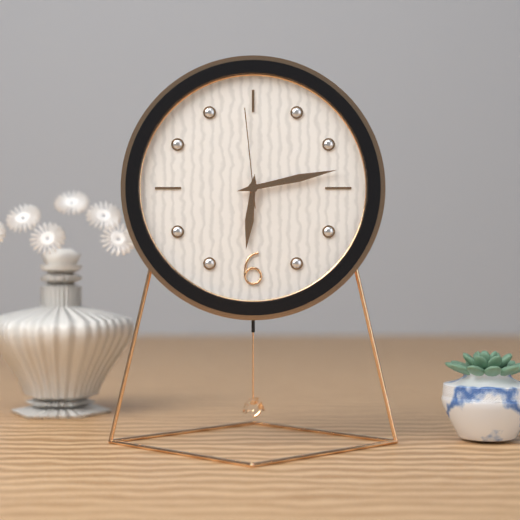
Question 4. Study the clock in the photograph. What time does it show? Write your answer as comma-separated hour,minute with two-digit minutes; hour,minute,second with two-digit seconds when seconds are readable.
6,13,59
